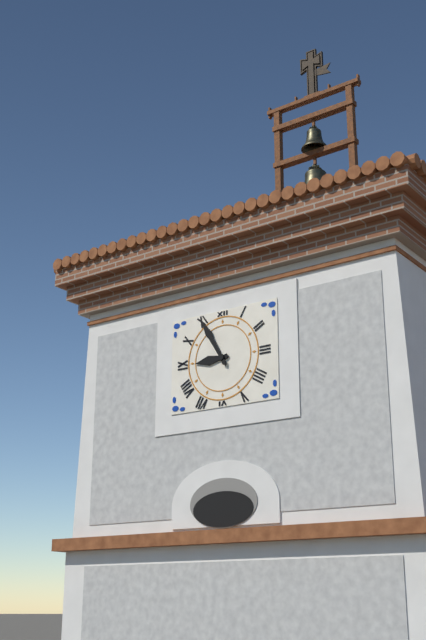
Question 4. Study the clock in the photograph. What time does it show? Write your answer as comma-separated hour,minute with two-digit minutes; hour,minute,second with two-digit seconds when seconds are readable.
8,55
